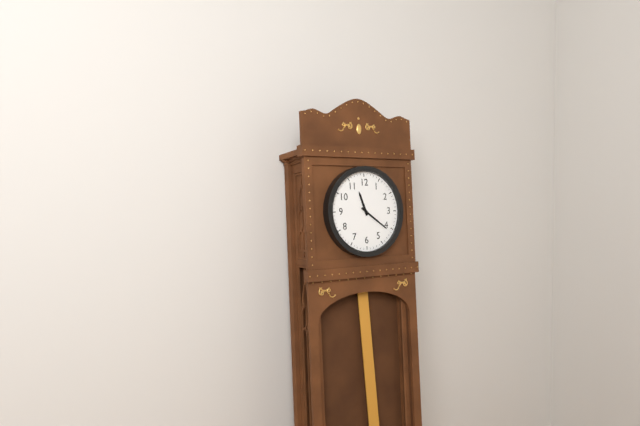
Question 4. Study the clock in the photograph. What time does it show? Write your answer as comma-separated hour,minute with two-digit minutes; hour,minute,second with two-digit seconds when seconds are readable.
11,21
